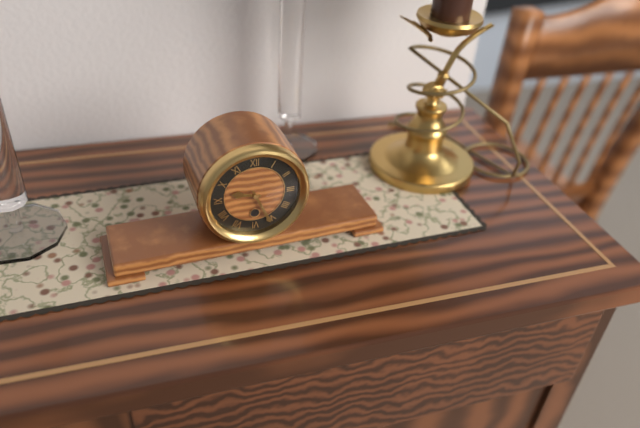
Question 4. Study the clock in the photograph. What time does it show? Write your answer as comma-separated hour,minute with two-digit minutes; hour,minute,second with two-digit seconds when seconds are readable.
9,26
